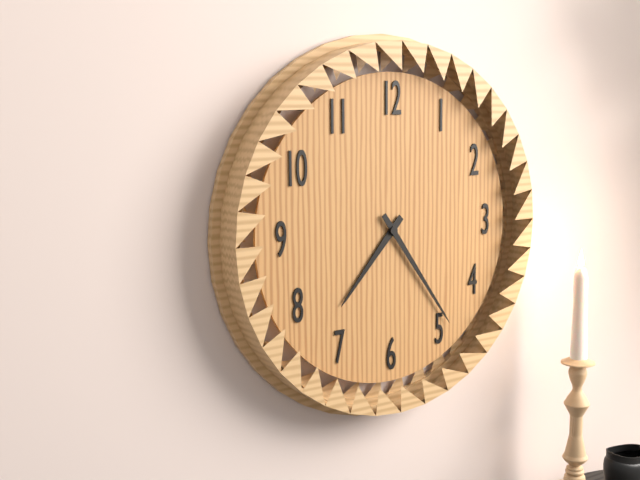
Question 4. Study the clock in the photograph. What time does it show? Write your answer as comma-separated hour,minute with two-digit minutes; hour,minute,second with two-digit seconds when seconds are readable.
7,24
